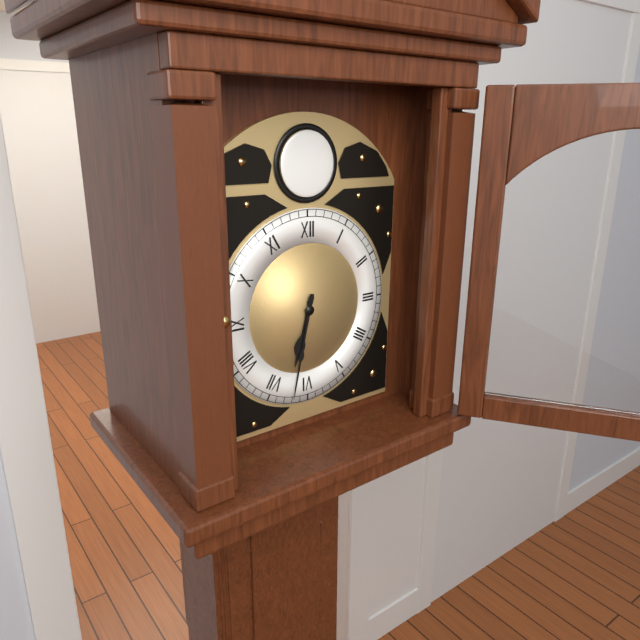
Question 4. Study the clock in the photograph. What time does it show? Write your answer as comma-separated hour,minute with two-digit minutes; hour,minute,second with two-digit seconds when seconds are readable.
6,32
